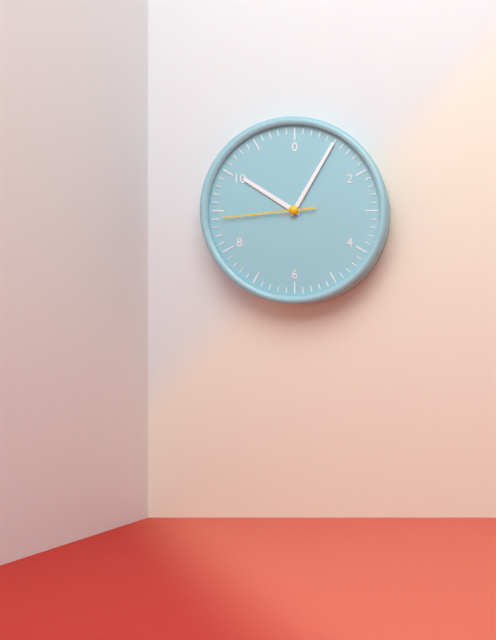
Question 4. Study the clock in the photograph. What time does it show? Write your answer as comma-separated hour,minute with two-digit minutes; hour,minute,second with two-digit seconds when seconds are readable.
10,05,44
